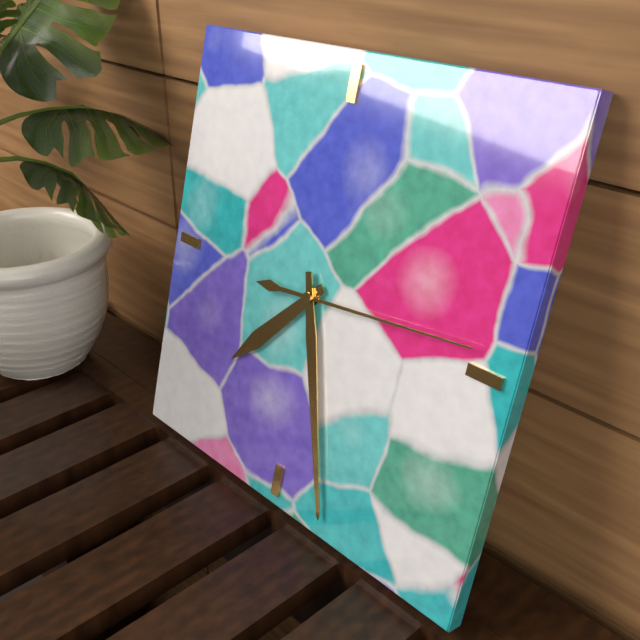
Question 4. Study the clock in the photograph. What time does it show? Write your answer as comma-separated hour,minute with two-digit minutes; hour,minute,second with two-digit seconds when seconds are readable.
7,27,14
